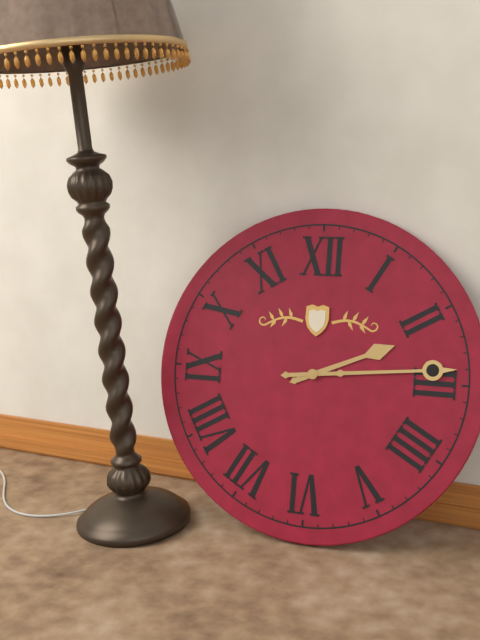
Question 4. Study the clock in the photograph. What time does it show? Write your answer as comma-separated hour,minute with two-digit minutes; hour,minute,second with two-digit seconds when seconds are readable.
2,14
